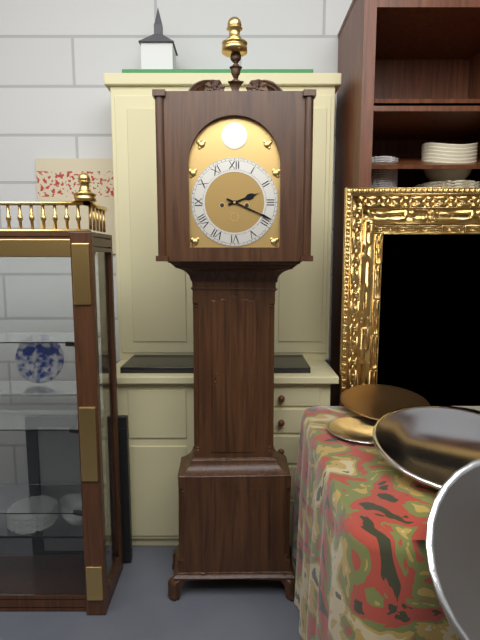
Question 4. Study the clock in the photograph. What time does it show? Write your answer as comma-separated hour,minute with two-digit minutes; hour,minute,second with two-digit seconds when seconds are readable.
2,19
